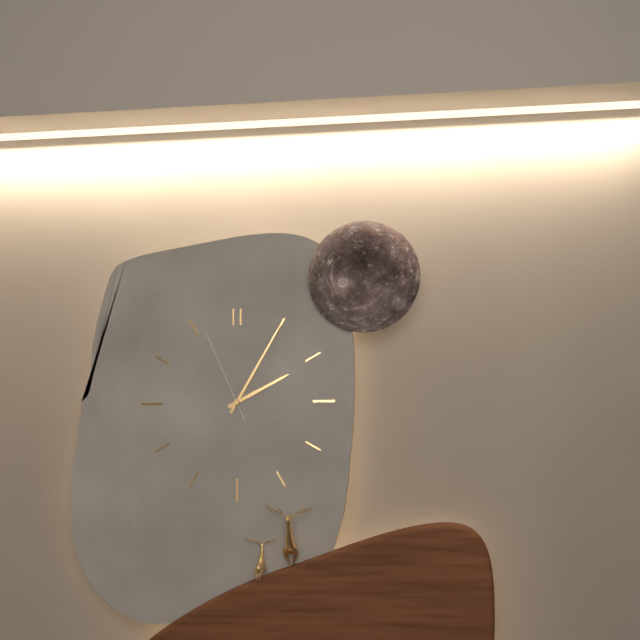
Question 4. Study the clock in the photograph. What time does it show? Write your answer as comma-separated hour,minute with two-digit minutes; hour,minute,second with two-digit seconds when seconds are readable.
2,05,56
